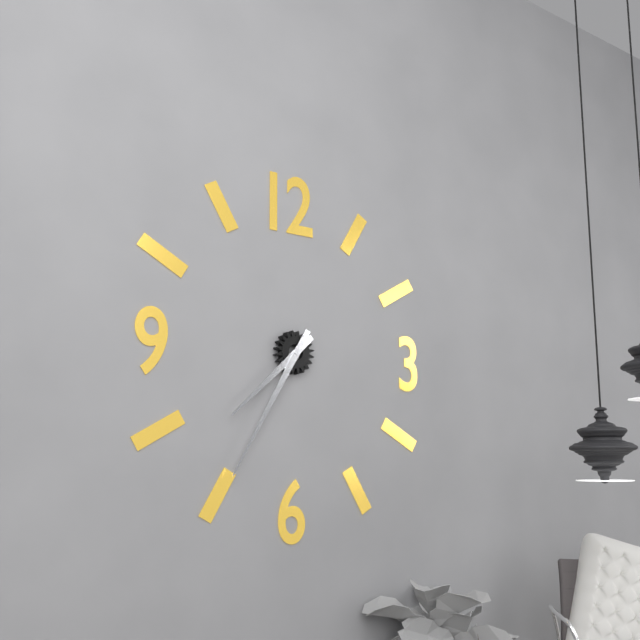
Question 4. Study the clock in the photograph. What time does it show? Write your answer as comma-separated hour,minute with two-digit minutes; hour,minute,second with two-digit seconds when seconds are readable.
7,35
